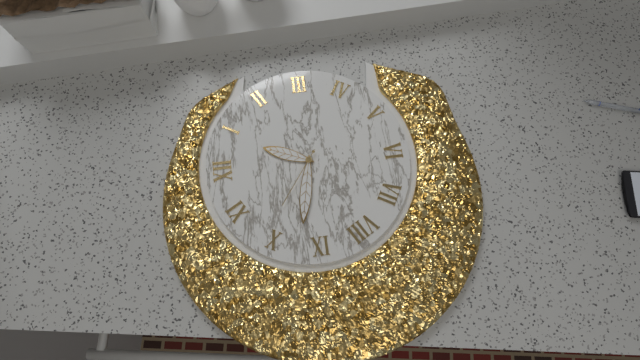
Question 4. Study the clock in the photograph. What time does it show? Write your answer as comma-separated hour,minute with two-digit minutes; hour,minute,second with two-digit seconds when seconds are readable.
12,47,51
